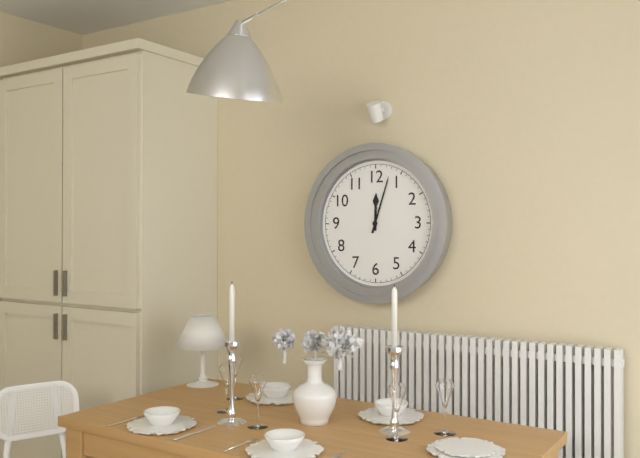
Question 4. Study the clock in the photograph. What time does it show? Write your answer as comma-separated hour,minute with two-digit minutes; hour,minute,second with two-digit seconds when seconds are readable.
12,03
